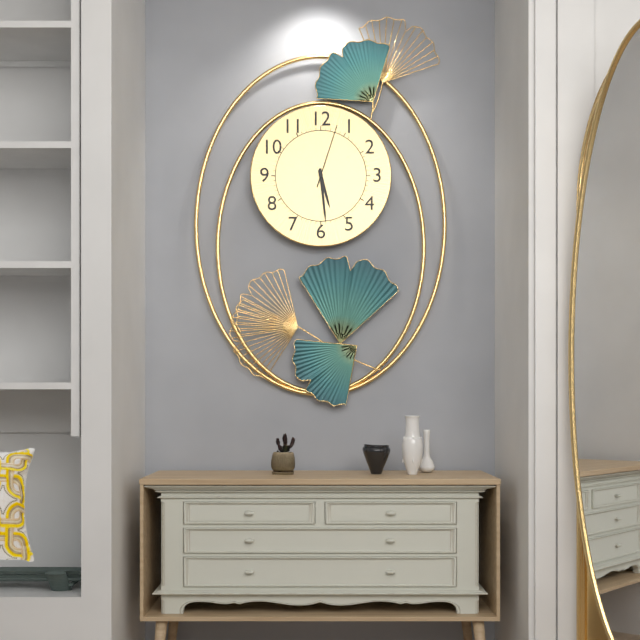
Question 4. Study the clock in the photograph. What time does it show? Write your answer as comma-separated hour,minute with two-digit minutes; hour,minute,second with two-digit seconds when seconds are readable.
5,29,03
